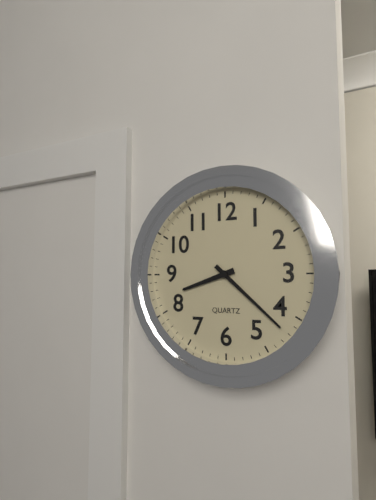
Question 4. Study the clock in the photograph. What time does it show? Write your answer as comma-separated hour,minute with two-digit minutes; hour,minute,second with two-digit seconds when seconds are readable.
8,22
